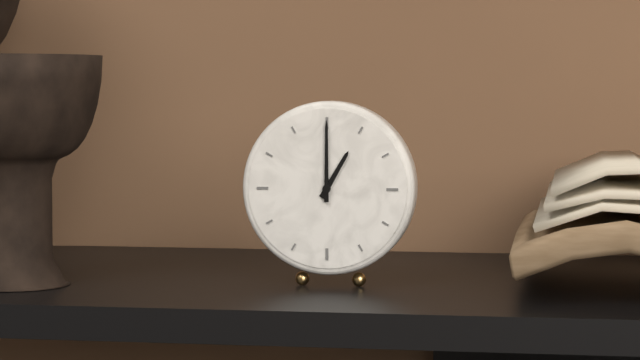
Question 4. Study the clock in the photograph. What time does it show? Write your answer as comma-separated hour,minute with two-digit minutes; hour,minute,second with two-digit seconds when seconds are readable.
1,00
